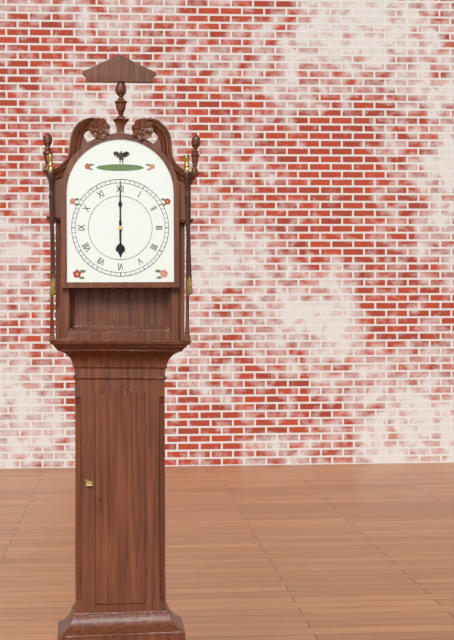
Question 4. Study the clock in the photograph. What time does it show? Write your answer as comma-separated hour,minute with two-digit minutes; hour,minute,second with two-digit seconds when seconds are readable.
6,00
